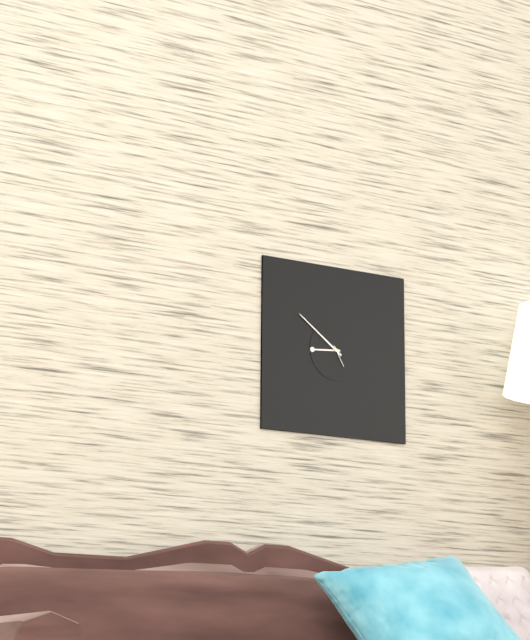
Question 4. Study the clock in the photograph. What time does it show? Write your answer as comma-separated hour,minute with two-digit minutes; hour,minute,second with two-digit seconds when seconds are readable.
8,51
